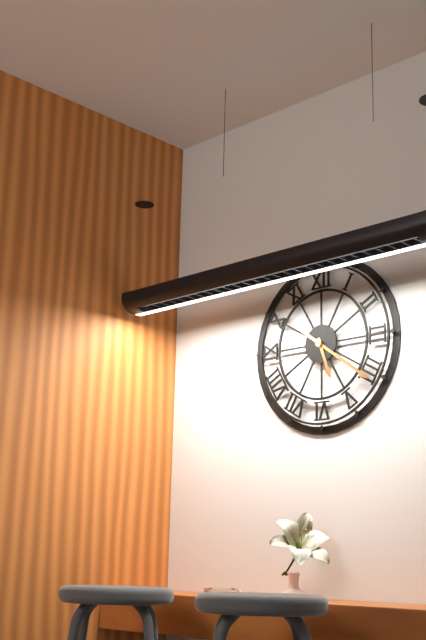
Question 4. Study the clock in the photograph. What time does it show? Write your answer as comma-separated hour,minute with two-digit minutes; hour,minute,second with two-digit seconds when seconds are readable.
5,21
